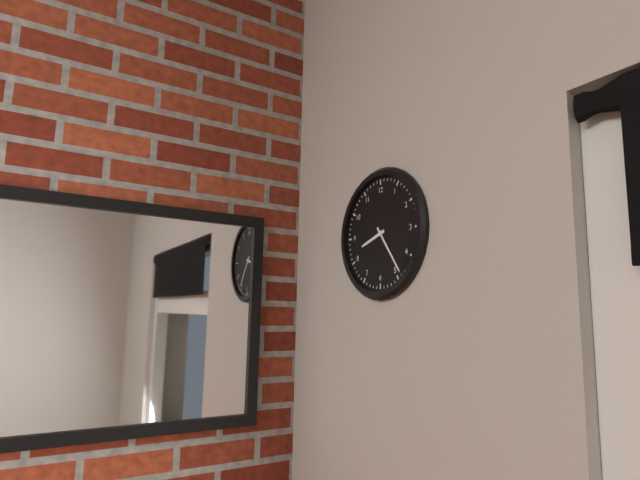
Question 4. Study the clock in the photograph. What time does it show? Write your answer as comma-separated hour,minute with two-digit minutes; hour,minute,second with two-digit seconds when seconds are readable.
8,24
